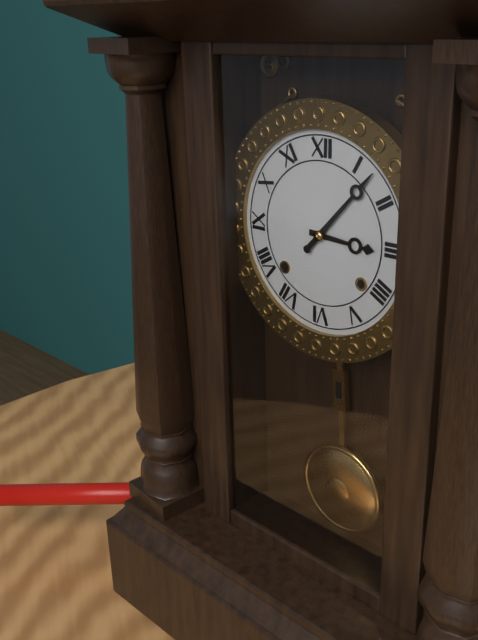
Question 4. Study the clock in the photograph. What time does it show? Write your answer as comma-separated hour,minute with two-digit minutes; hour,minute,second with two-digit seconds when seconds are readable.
3,07
